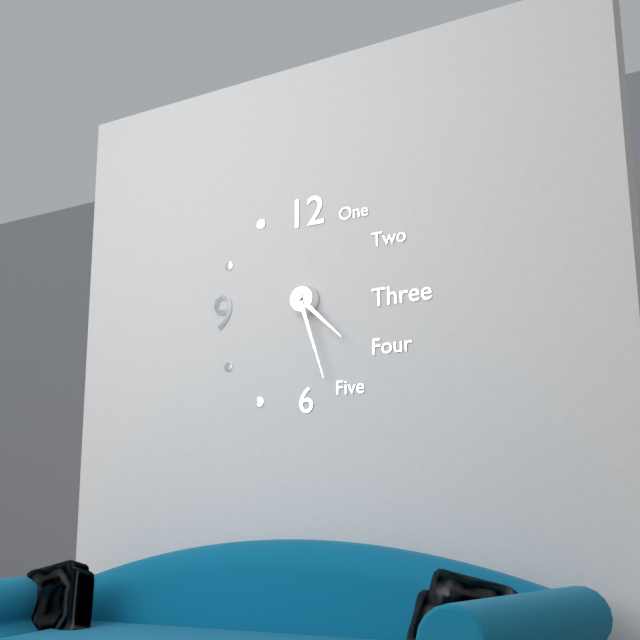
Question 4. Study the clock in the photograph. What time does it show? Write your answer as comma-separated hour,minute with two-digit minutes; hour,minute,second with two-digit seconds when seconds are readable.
4,27
